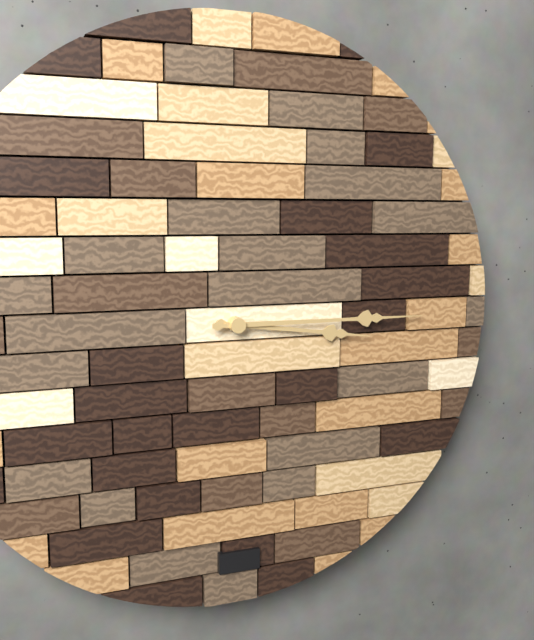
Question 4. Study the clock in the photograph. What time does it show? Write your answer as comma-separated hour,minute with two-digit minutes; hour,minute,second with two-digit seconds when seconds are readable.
3,15
